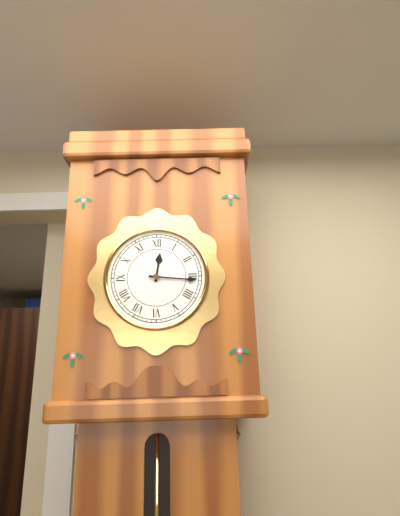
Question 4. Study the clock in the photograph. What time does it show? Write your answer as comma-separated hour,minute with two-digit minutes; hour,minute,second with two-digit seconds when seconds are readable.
12,16
